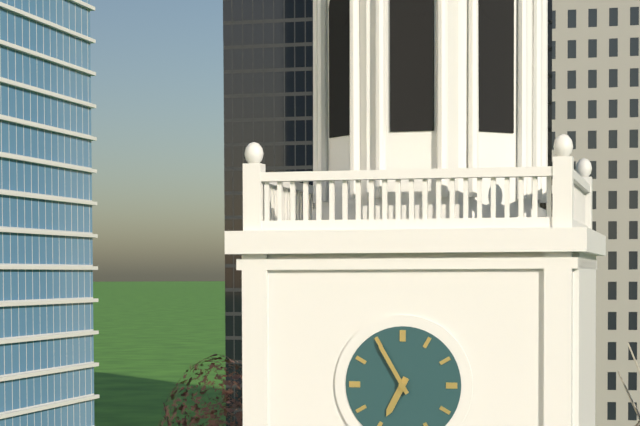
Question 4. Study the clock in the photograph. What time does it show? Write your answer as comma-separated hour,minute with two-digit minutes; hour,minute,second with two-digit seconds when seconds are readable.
6,55
